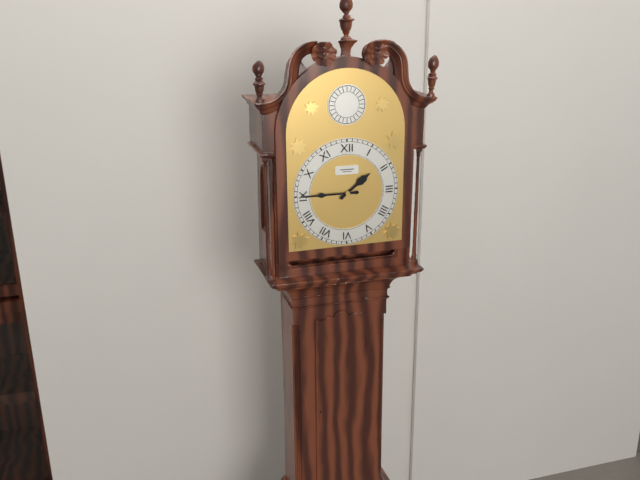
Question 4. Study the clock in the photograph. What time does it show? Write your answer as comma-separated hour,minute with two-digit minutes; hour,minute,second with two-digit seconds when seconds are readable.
1,45
